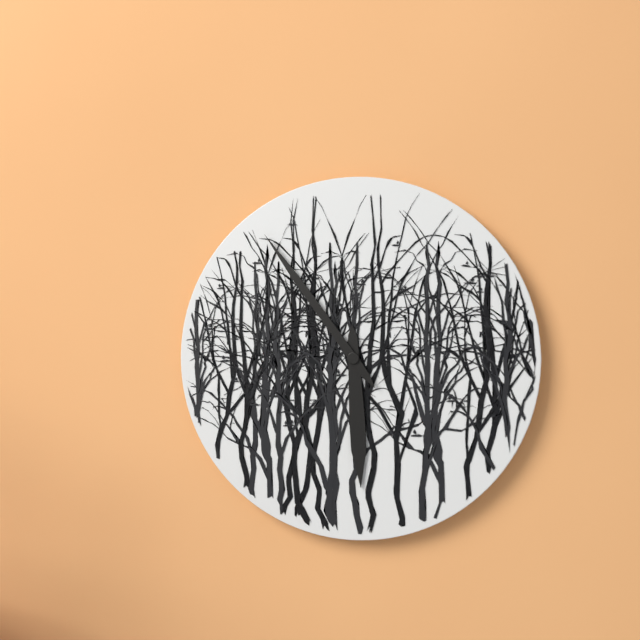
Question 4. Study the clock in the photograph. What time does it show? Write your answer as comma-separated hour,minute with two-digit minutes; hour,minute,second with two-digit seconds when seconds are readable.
5,54
